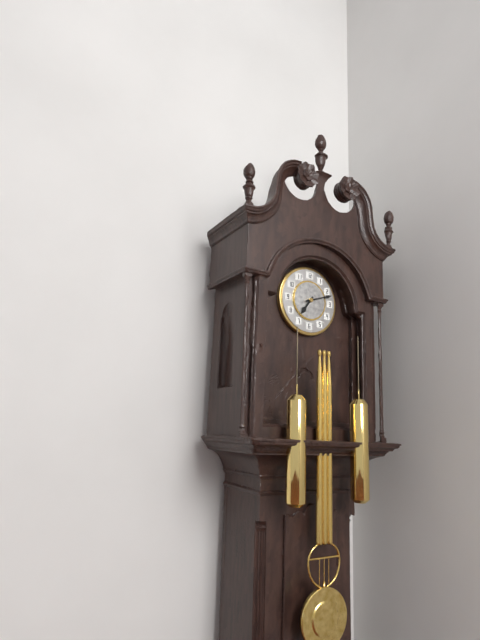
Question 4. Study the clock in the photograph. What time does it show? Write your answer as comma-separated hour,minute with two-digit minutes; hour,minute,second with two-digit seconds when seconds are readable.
7,12
